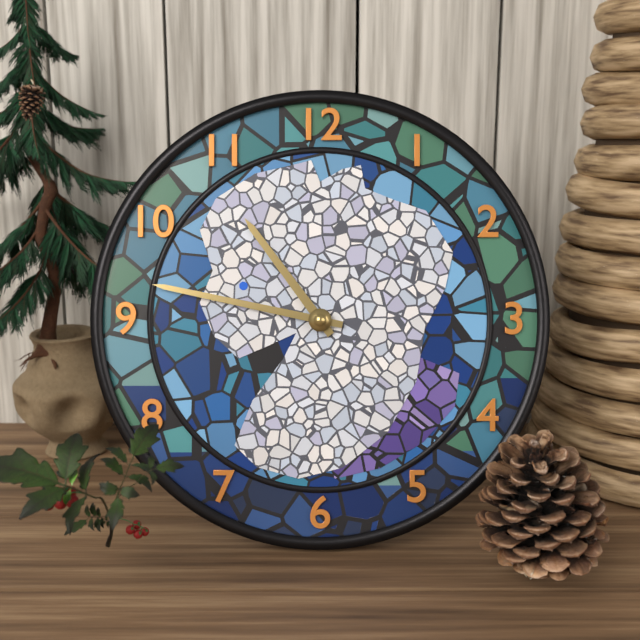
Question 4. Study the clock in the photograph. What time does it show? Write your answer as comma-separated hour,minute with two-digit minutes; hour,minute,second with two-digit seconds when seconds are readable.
10,47
